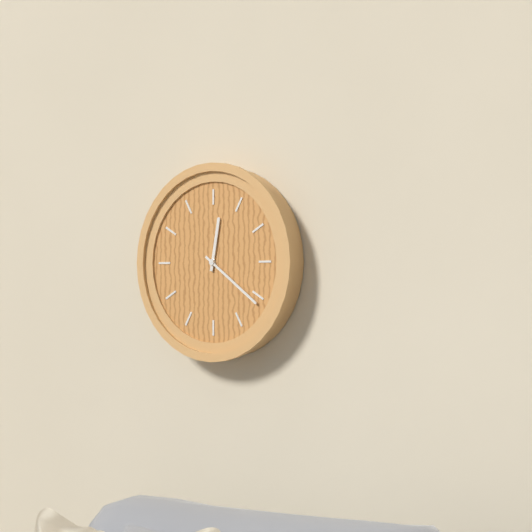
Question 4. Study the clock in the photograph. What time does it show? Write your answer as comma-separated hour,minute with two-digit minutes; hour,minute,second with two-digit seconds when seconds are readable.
12,21
